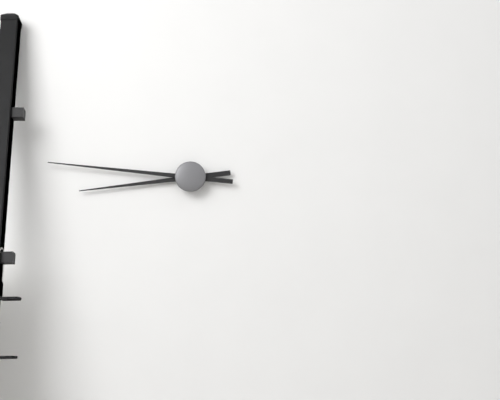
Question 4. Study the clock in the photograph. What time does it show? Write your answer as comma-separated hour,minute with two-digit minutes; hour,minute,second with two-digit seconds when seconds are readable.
8,46
